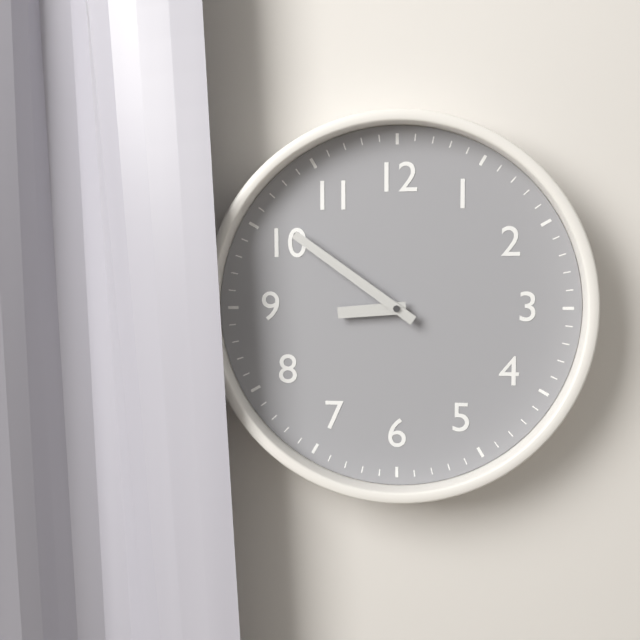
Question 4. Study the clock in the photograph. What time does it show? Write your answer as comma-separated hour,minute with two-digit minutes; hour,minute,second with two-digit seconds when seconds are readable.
8,51
